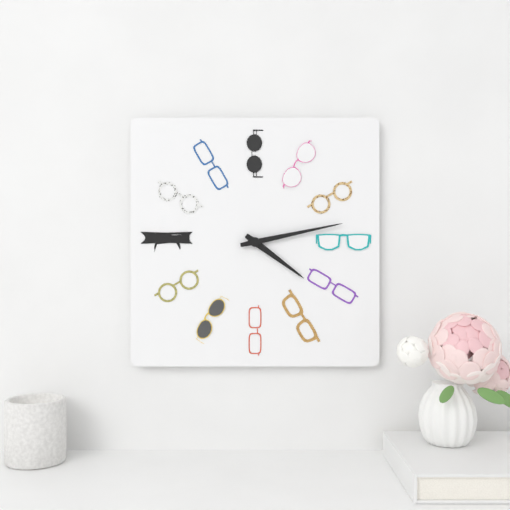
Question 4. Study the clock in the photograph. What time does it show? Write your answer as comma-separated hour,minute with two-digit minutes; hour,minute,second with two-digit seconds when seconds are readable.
4,13
